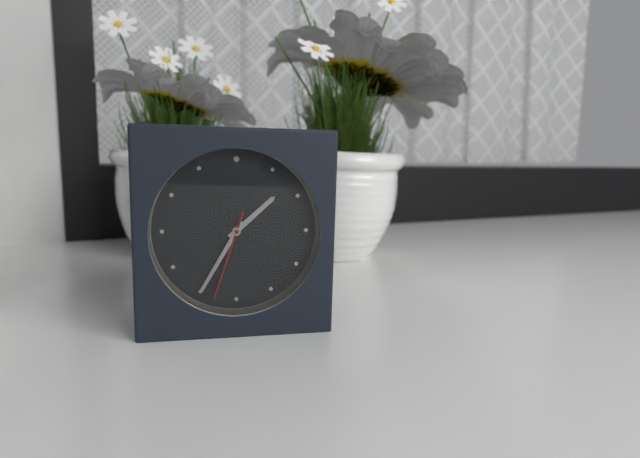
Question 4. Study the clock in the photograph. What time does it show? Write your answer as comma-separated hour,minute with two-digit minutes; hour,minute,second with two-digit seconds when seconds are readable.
1,35,33
